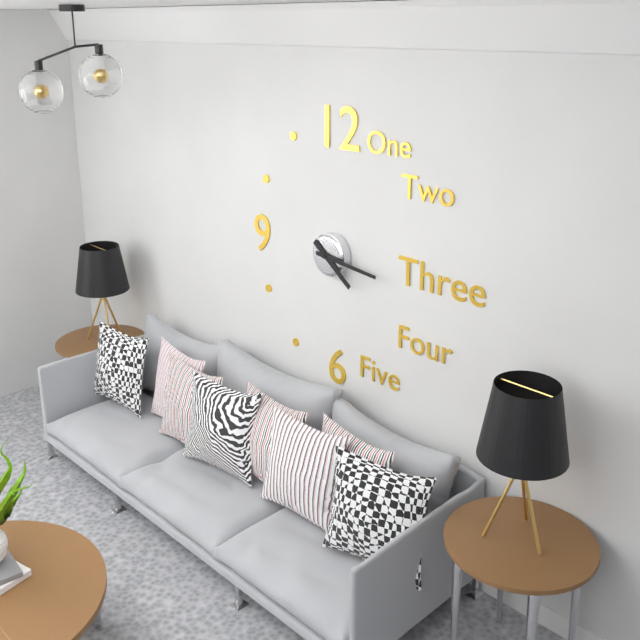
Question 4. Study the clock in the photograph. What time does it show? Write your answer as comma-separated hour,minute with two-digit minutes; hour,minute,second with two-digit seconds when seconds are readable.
4,16
